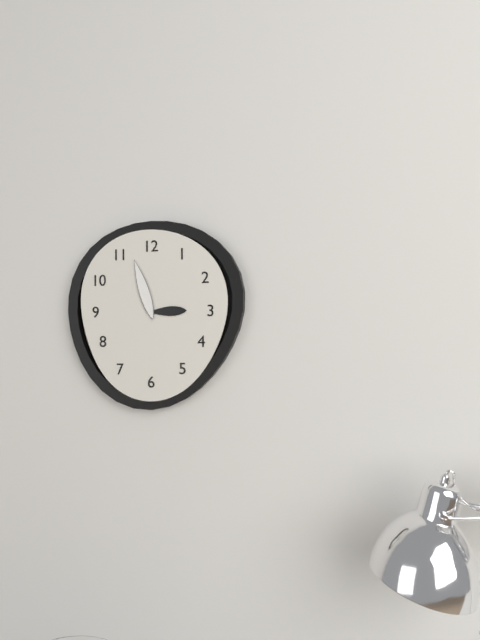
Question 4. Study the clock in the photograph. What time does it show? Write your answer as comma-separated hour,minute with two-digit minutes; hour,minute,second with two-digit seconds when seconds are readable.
2,57
